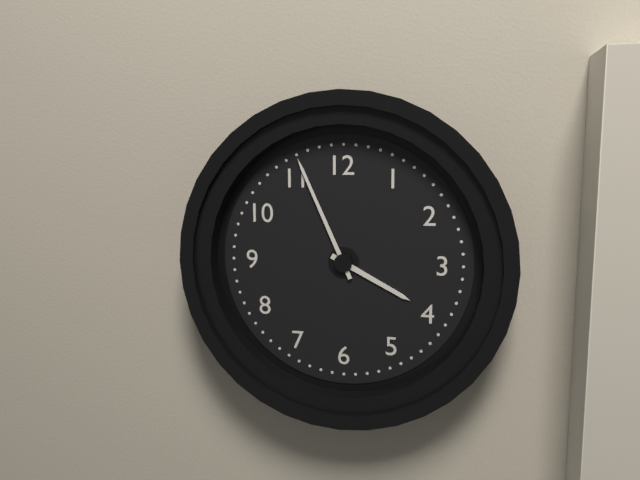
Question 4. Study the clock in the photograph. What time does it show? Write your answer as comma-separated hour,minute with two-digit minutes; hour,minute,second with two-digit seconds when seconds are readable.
3,56
